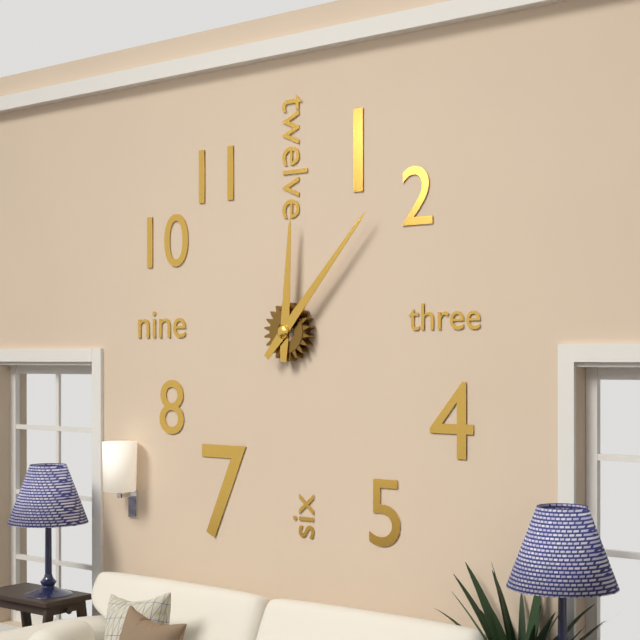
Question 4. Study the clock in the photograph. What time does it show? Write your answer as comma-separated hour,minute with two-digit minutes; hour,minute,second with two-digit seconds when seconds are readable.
12,07
